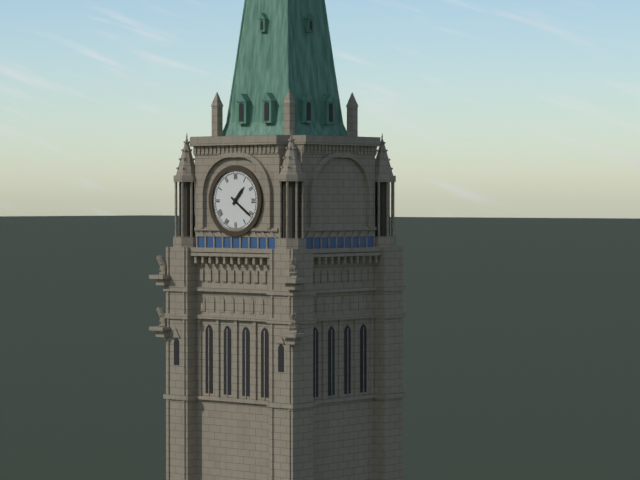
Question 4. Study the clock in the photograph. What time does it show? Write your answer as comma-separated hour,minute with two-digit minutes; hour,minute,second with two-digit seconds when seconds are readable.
1,21
